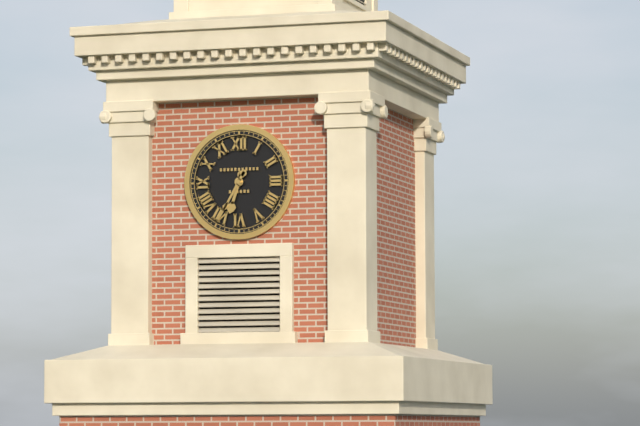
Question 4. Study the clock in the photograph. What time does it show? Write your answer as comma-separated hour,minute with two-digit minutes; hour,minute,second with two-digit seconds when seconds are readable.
6,35
